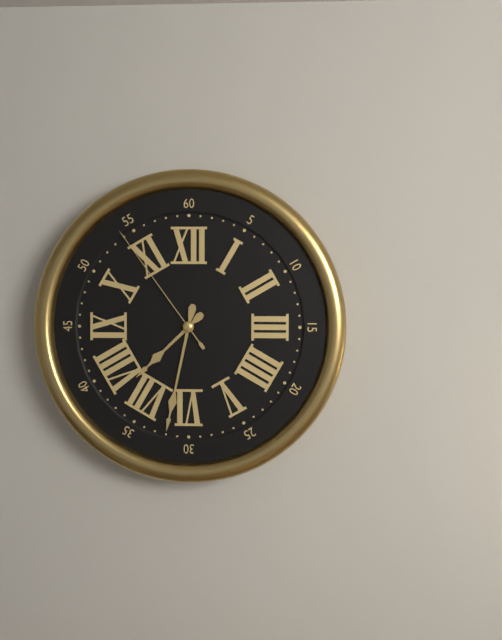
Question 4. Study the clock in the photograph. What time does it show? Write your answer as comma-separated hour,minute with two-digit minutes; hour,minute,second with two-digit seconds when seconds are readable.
7,32,54
